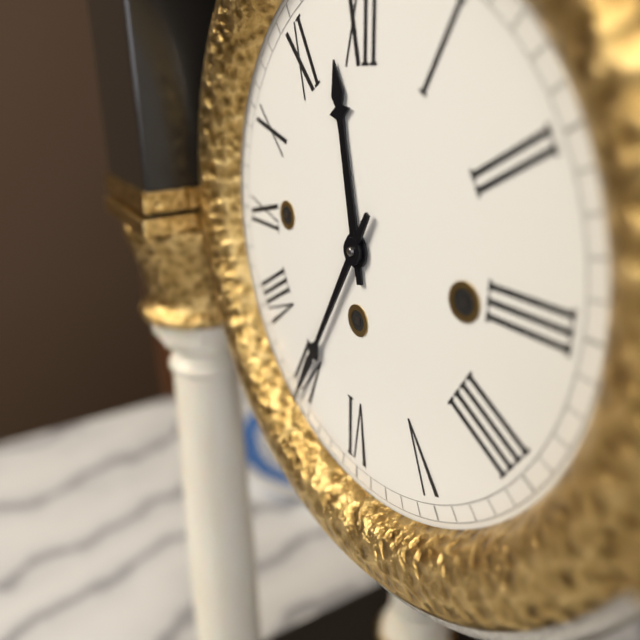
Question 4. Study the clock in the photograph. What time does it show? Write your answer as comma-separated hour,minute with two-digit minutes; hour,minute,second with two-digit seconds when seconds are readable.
11,35
